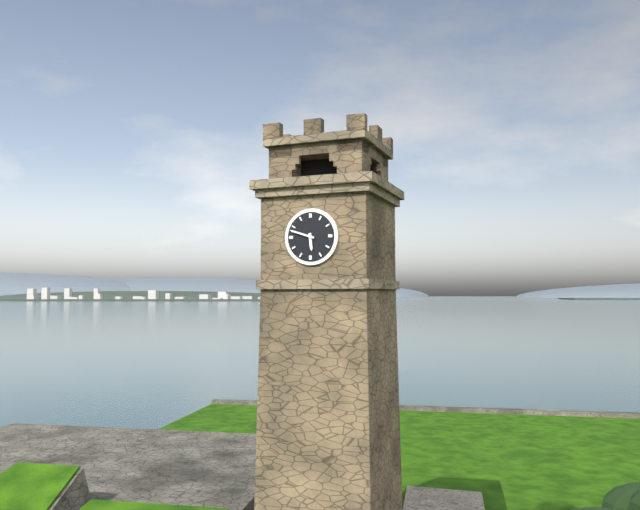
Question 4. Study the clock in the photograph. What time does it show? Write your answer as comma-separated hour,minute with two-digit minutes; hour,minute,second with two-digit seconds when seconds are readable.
5,48
